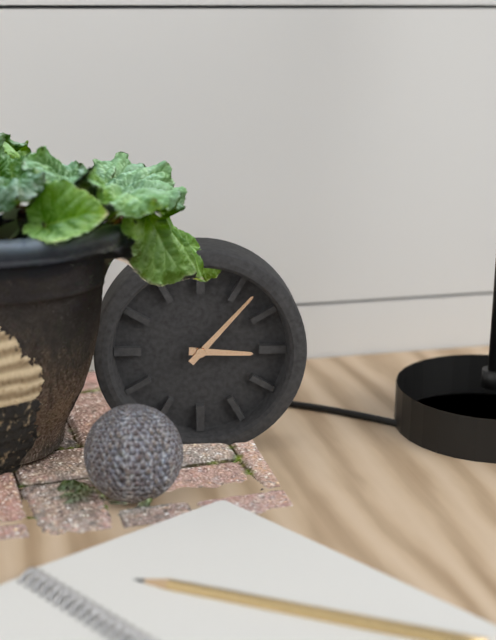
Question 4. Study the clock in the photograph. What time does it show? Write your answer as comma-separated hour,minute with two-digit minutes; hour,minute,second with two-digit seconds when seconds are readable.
3,07
